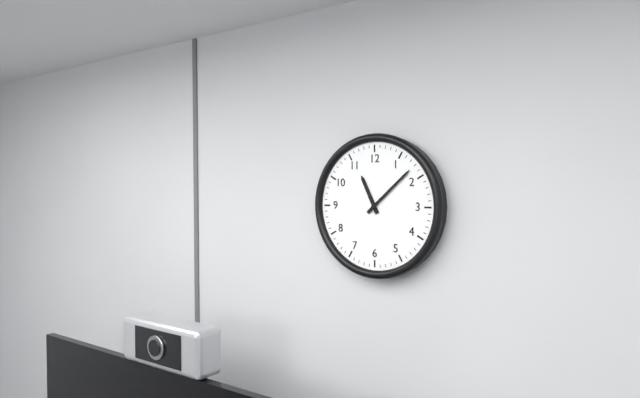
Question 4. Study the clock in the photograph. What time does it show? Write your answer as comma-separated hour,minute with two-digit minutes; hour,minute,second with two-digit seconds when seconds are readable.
11,08
